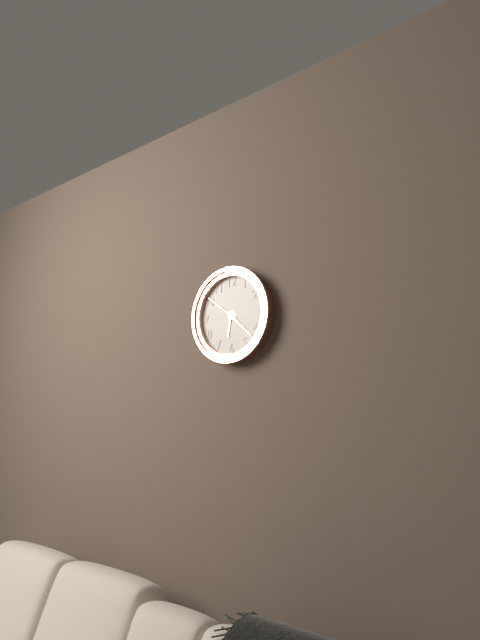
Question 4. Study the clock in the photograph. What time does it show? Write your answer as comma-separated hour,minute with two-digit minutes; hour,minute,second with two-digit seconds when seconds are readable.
6,22
